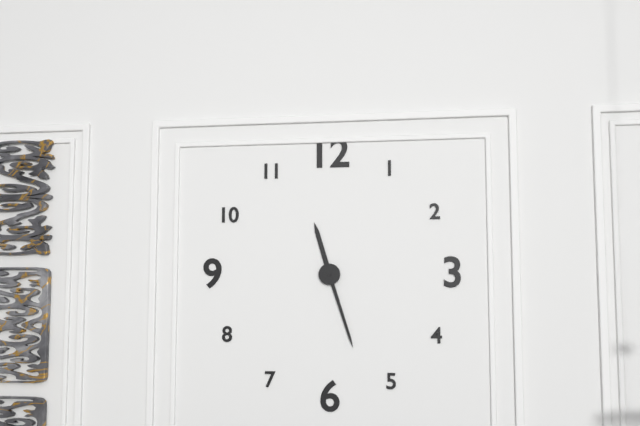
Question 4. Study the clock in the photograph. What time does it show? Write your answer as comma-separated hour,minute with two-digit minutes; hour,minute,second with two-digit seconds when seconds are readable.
11,27
